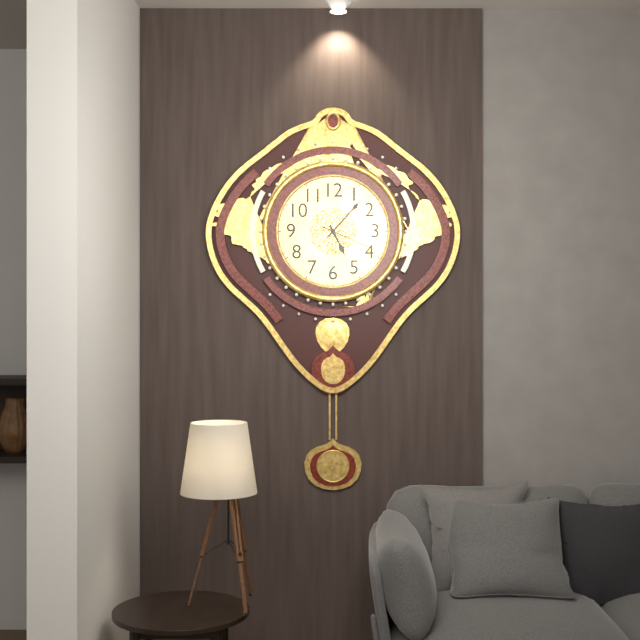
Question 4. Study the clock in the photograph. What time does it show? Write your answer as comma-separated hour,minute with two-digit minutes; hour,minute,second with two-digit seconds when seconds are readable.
5,07,19
